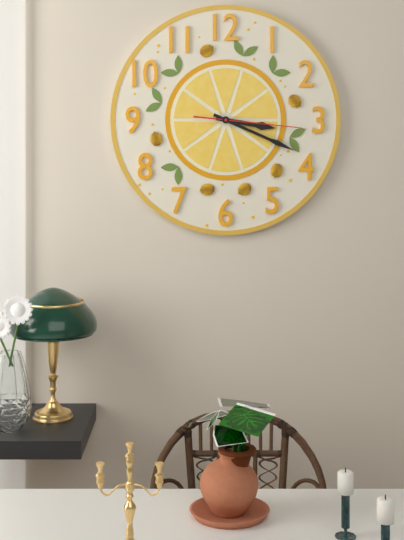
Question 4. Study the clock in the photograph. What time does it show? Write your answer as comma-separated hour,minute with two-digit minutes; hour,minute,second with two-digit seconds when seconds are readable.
3,19,16
